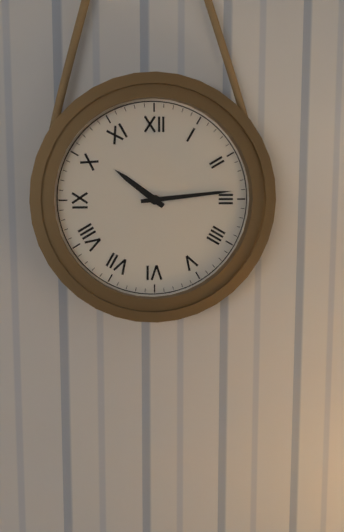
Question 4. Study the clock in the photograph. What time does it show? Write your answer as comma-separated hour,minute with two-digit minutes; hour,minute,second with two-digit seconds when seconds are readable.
10,14
